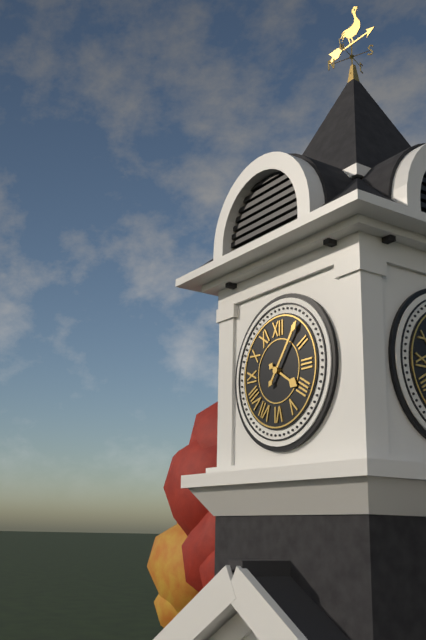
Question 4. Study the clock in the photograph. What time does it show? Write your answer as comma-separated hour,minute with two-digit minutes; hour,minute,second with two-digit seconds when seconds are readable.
4,06
